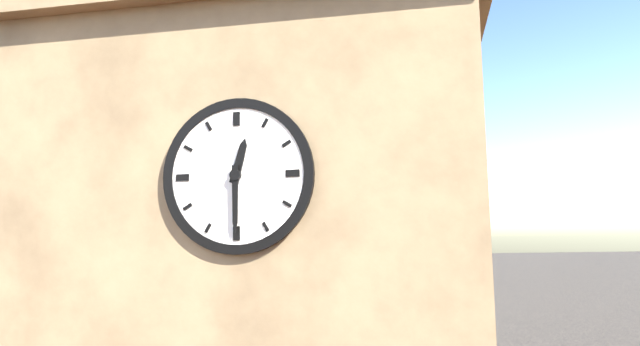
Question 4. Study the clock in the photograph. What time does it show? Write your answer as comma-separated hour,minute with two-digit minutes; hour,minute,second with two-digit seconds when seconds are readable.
12,30
